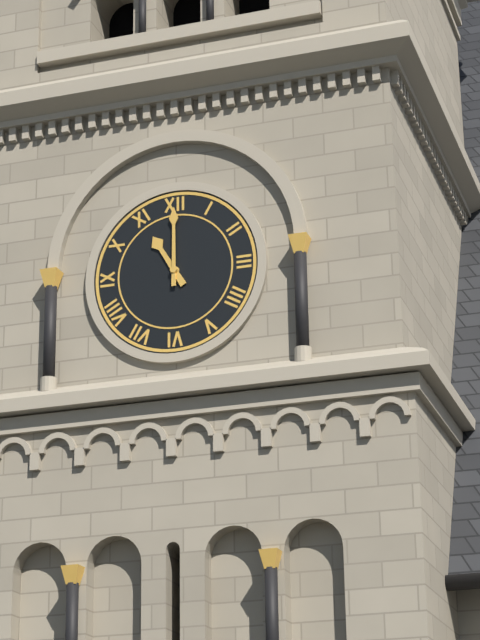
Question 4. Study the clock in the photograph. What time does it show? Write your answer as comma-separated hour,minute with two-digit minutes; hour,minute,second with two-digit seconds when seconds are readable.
11,00
